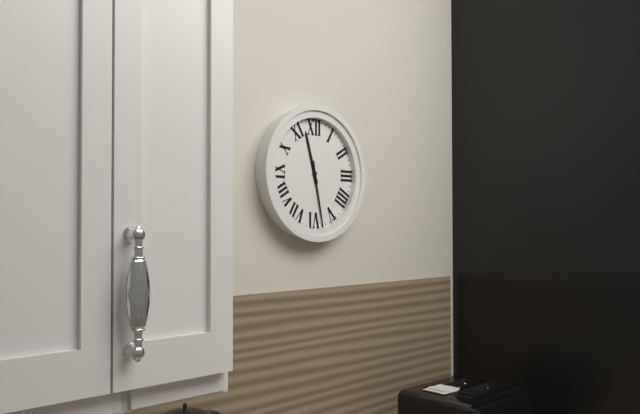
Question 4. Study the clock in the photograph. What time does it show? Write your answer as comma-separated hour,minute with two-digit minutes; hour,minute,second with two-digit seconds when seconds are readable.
11,28
